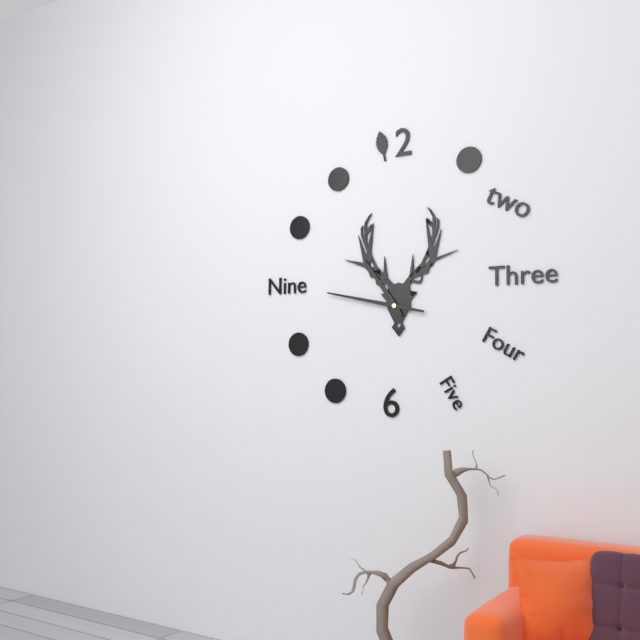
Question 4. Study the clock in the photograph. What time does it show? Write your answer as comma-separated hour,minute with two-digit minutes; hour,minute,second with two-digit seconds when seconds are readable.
10,47
